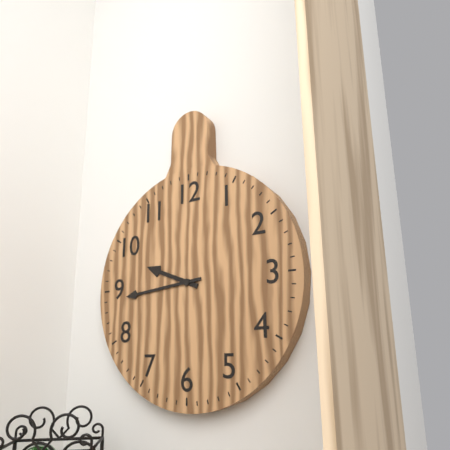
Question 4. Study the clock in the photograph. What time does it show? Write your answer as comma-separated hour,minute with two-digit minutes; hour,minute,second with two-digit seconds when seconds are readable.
9,44
